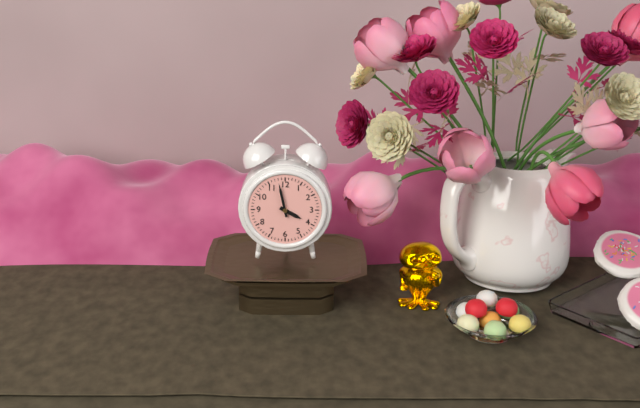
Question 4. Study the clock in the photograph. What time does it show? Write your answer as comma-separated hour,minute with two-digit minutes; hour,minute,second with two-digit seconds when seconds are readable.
3,58
